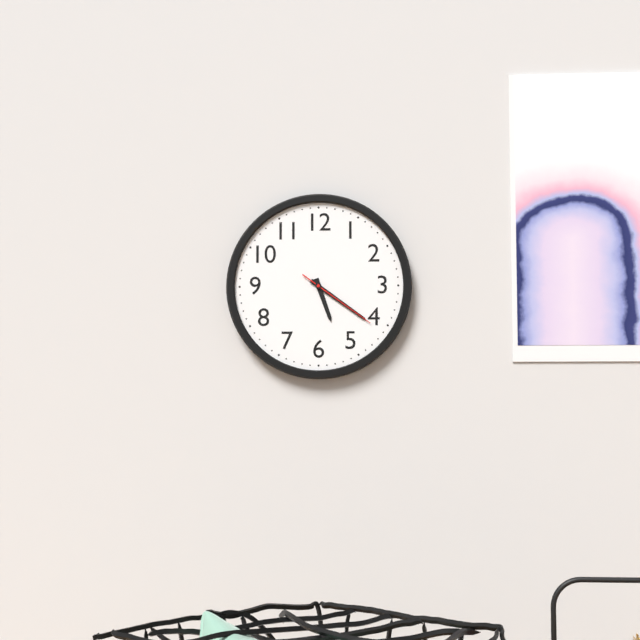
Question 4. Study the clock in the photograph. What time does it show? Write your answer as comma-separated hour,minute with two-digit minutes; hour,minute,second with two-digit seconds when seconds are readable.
5,21,21
